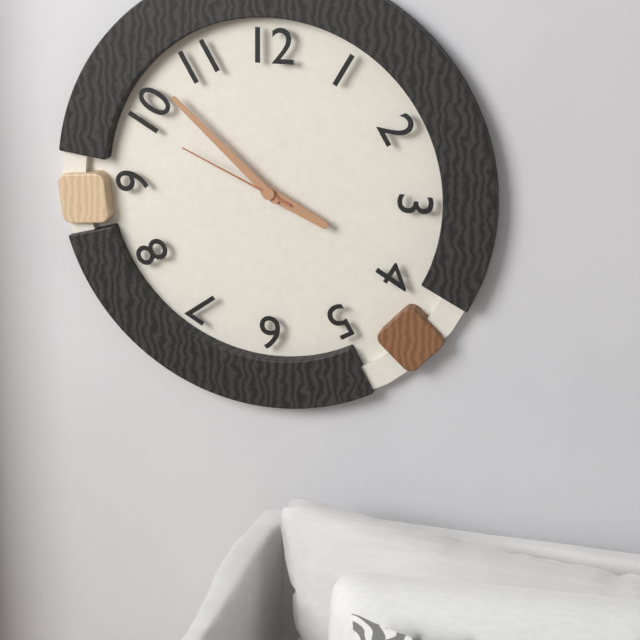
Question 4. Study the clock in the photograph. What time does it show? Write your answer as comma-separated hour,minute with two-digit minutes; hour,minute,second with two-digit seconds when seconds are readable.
3,52,49
